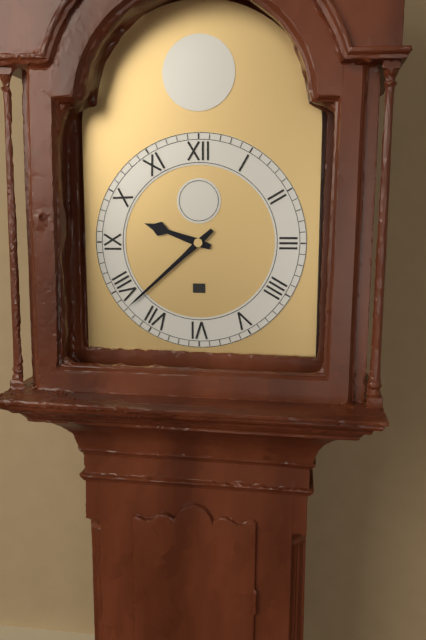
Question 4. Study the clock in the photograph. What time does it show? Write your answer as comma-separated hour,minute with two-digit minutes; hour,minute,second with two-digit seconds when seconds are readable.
9,38
